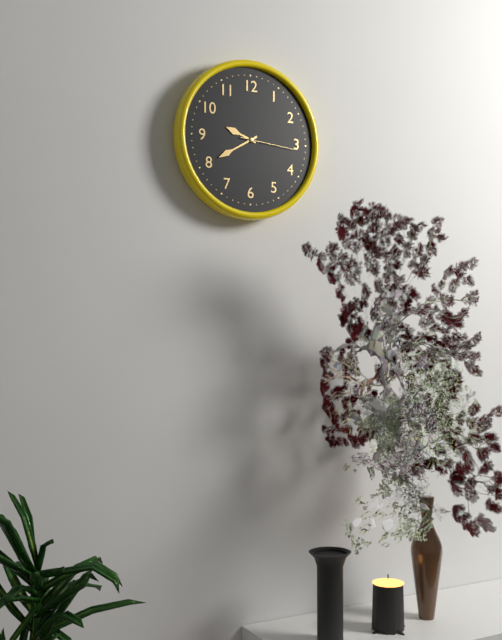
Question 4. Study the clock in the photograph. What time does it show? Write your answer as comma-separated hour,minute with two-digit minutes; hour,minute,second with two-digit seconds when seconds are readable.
9,40,16
